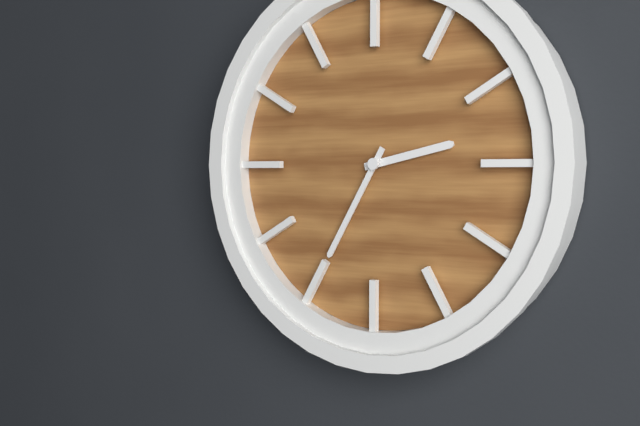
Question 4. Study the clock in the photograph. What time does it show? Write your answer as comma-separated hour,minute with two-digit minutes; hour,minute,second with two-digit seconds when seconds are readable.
2,35
